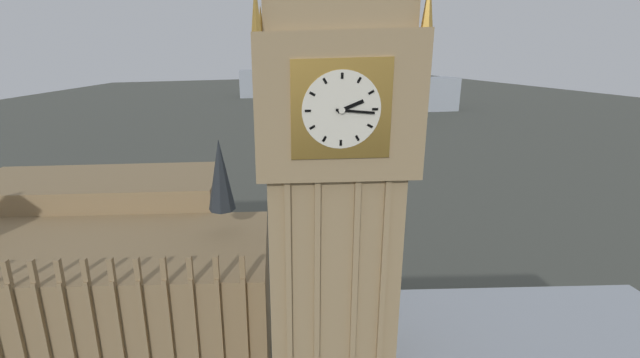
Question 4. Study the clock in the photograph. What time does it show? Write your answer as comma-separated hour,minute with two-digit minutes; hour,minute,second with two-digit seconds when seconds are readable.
2,16
